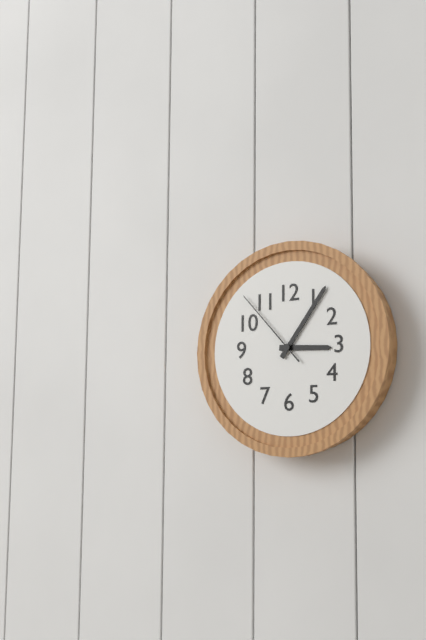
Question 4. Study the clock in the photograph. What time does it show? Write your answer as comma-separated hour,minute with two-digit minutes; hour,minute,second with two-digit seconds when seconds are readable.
3,06,53
